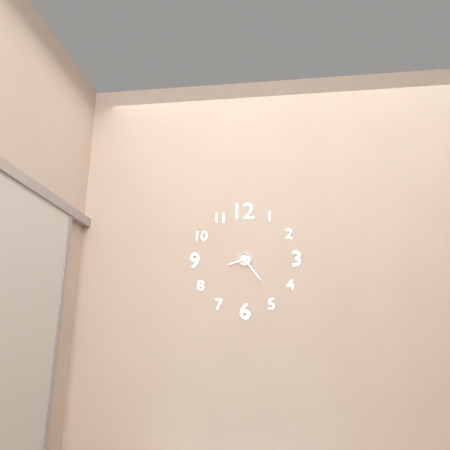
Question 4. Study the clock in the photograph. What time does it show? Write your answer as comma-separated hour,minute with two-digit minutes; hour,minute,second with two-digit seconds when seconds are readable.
8,24
